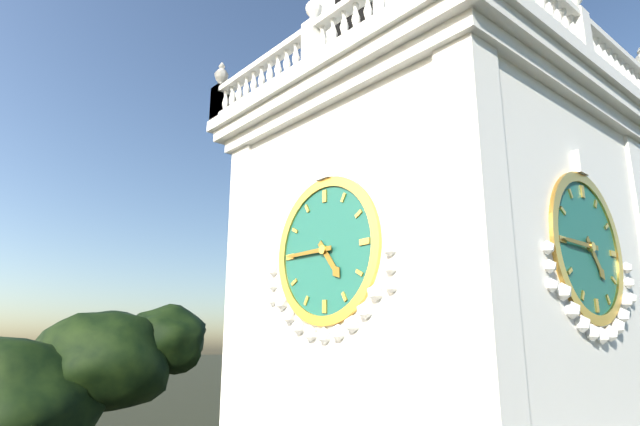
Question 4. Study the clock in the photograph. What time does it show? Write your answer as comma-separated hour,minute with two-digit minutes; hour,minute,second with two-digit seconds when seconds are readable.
4,45
